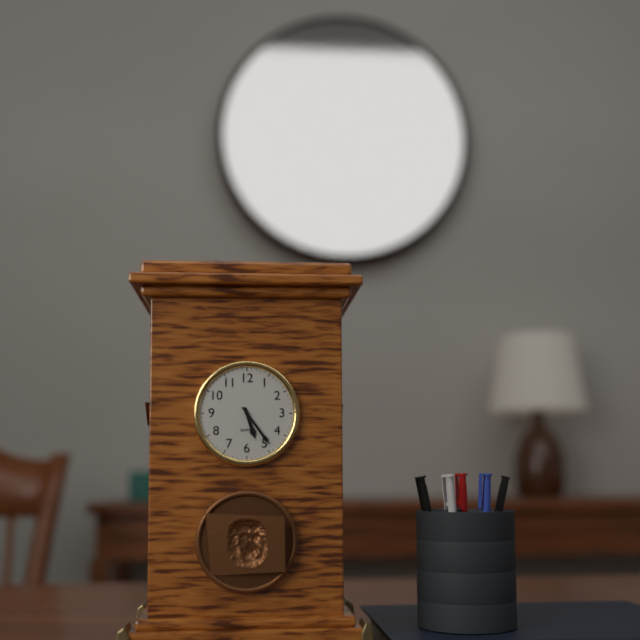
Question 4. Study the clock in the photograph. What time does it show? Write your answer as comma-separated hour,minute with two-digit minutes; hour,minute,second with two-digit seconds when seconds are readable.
5,24
